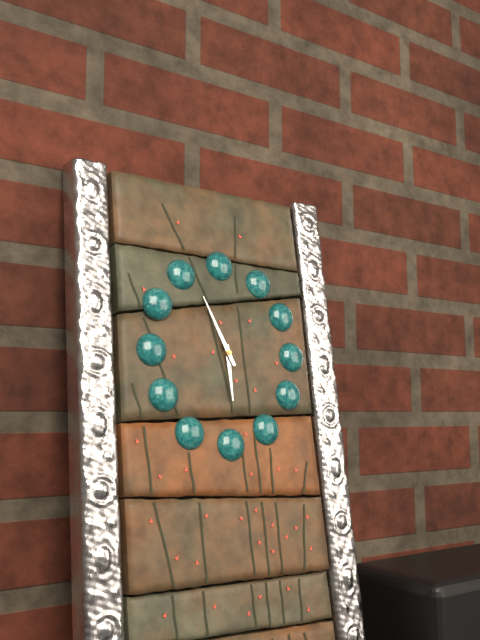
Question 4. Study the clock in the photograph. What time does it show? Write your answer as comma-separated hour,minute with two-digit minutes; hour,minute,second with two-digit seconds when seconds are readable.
5,56
